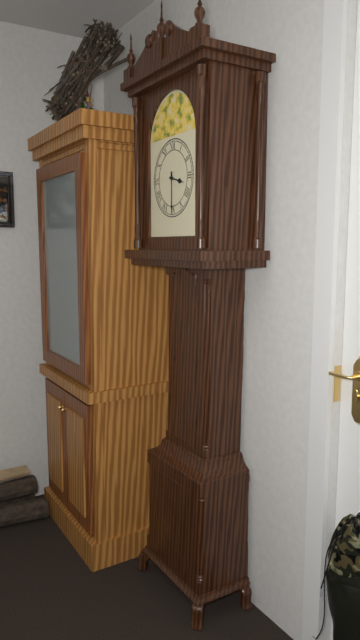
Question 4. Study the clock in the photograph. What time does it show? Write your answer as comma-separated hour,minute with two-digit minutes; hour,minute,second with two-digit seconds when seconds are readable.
3,30
